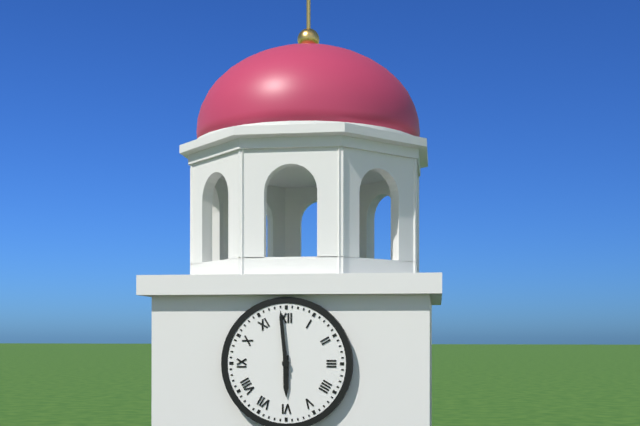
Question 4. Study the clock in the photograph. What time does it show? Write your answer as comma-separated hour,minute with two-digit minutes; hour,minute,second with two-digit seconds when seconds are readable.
5,59
